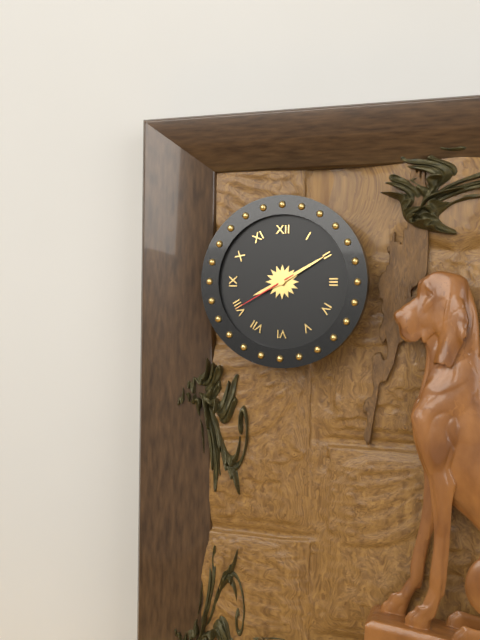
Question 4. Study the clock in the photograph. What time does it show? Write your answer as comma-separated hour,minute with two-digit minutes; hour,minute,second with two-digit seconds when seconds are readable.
8,10,40
